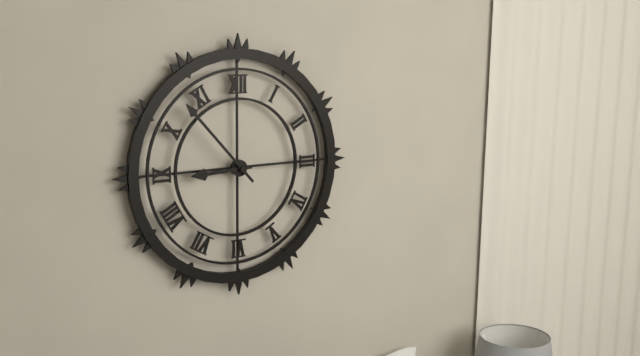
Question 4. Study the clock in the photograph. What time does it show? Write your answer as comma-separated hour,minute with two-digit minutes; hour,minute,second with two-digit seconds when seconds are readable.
8,53
